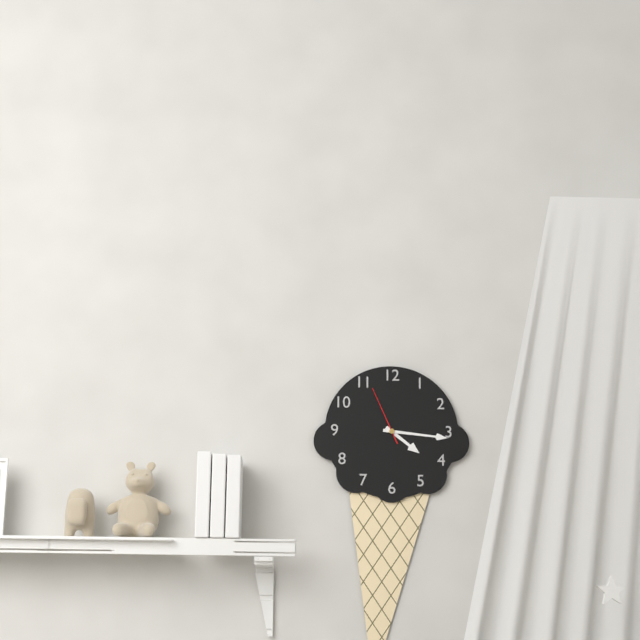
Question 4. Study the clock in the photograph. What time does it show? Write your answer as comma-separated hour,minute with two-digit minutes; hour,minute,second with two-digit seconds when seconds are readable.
4,16,56
